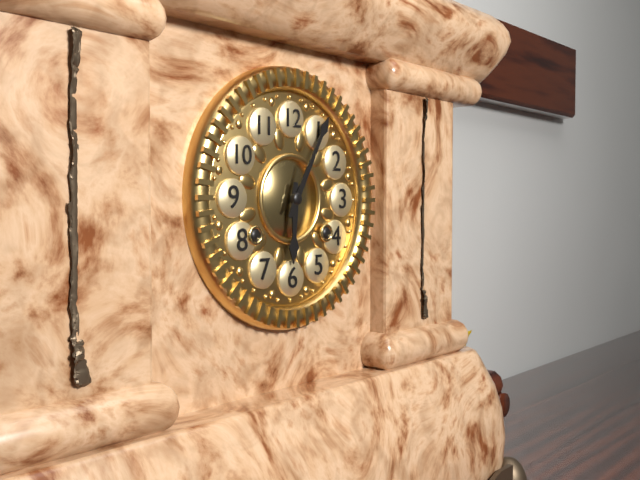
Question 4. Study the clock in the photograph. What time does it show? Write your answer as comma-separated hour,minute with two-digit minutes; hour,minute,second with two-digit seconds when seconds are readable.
6,05
